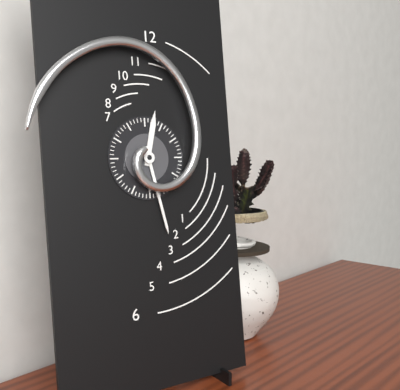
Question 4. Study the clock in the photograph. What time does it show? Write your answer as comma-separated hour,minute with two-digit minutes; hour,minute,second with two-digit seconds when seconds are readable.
12,28
